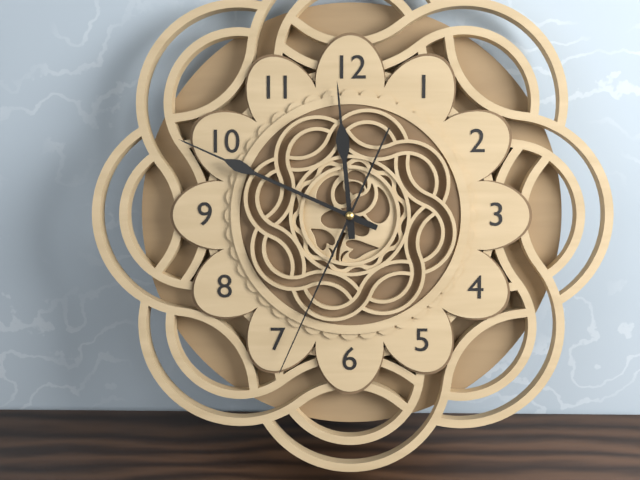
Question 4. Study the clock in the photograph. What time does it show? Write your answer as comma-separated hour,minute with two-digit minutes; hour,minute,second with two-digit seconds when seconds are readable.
11,49,34
